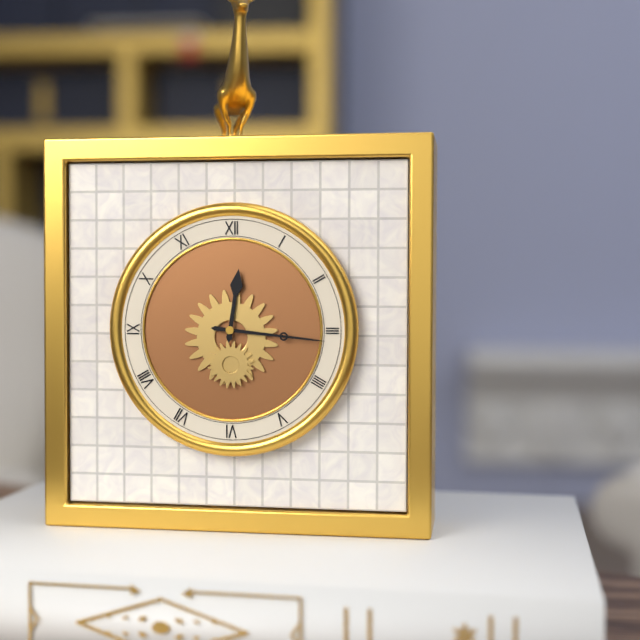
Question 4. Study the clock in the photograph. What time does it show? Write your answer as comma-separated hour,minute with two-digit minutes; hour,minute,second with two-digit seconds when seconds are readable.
12,16
